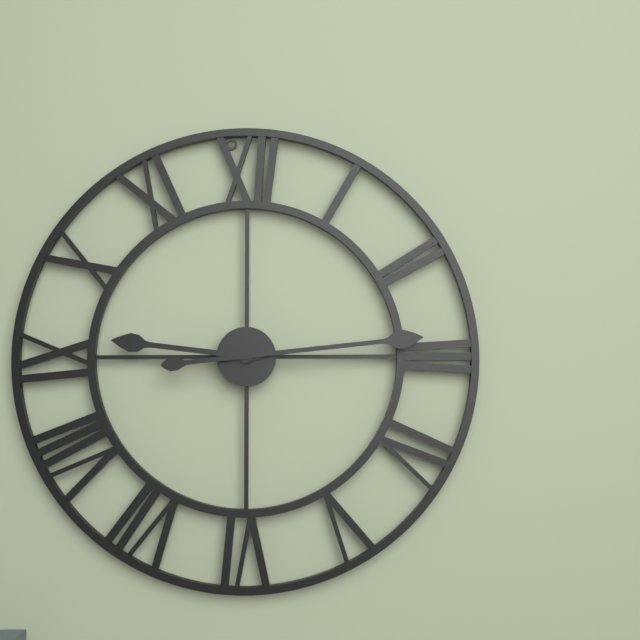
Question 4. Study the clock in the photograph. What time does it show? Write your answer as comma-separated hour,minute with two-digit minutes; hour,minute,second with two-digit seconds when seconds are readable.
9,14
